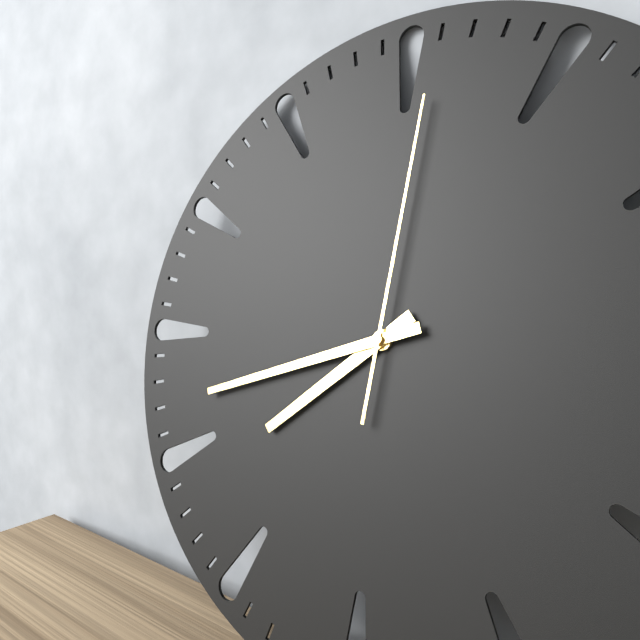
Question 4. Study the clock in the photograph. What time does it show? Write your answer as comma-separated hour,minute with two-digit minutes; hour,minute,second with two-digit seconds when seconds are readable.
7,42,01
